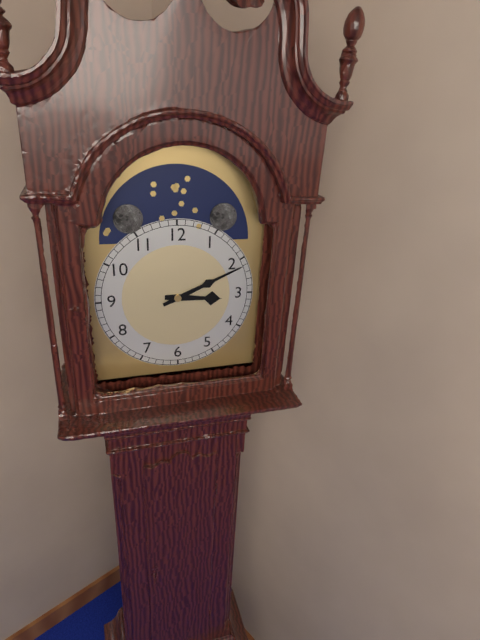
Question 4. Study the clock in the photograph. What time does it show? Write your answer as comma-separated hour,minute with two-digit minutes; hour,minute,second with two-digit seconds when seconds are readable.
3,11
